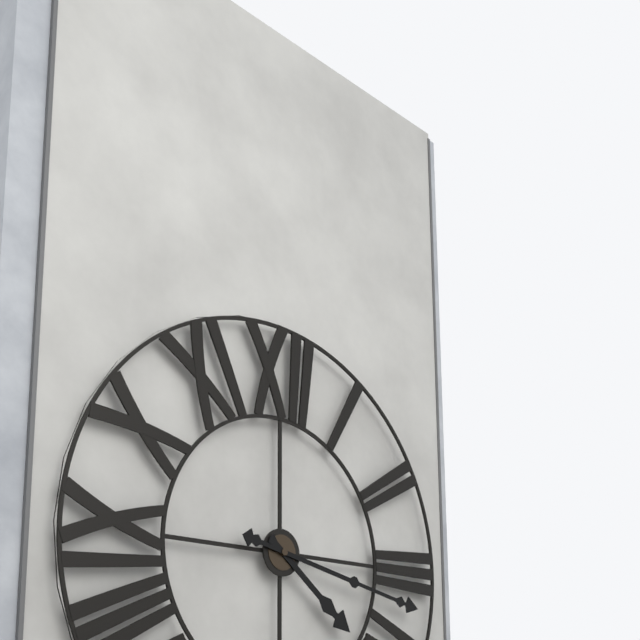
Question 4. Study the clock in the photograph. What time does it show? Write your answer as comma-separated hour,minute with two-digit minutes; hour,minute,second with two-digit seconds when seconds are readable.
4,17
